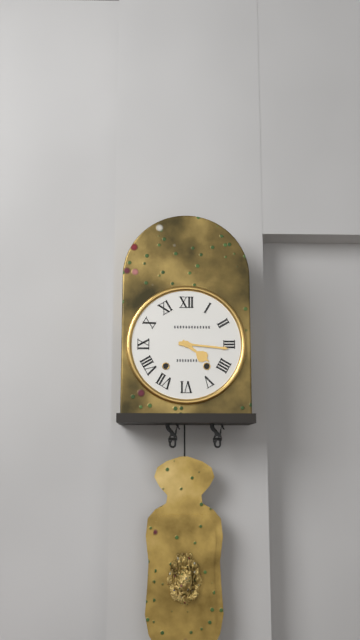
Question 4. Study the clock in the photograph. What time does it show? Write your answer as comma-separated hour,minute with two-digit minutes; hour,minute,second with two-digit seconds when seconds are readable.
4,16
